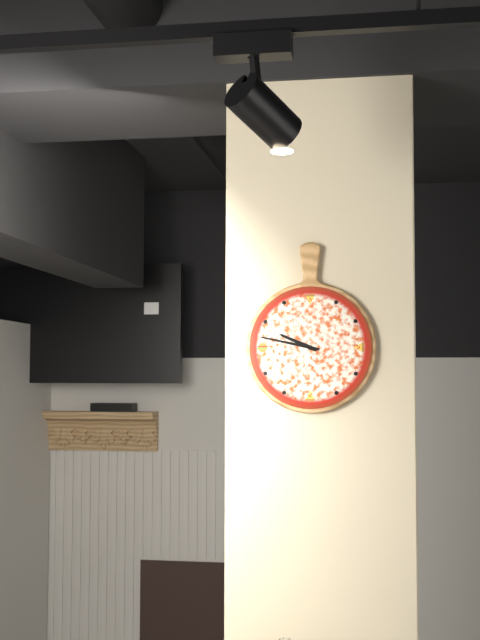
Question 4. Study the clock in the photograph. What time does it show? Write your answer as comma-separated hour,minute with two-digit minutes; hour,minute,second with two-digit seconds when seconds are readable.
9,47
